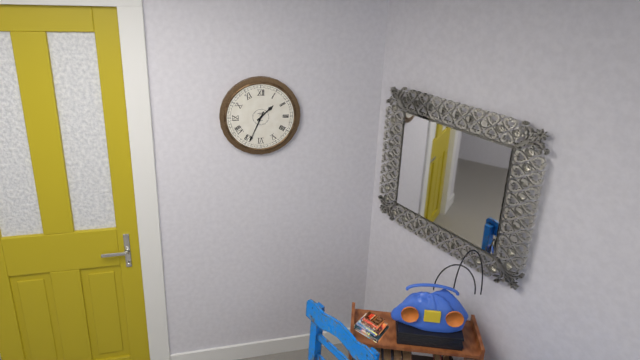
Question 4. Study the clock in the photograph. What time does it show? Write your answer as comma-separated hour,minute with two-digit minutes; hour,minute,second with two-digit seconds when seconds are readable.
1,34
